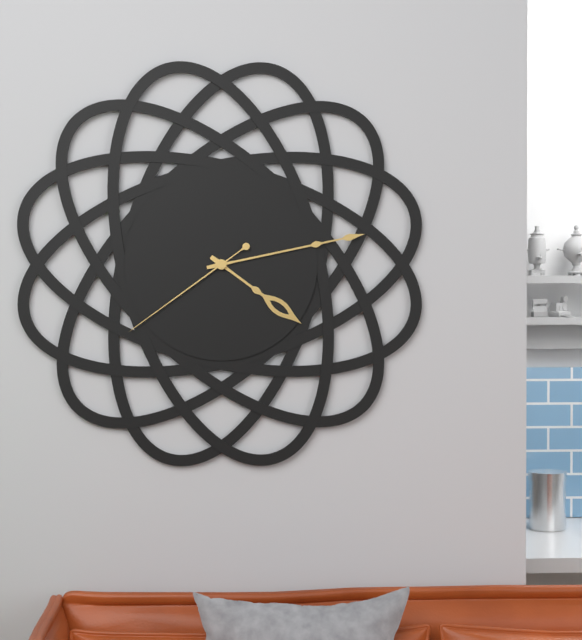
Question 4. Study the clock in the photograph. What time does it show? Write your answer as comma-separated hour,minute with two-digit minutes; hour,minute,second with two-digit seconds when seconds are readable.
4,13,39
